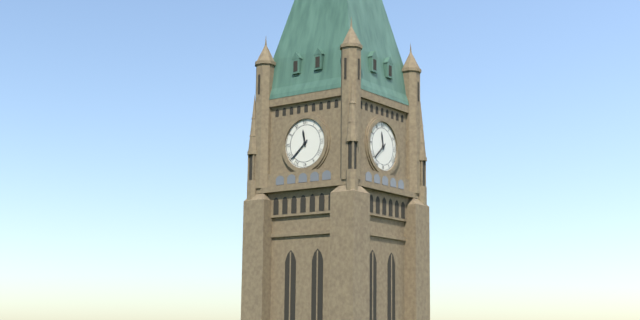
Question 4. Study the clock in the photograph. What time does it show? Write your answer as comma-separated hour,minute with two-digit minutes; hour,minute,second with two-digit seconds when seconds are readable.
11,38
